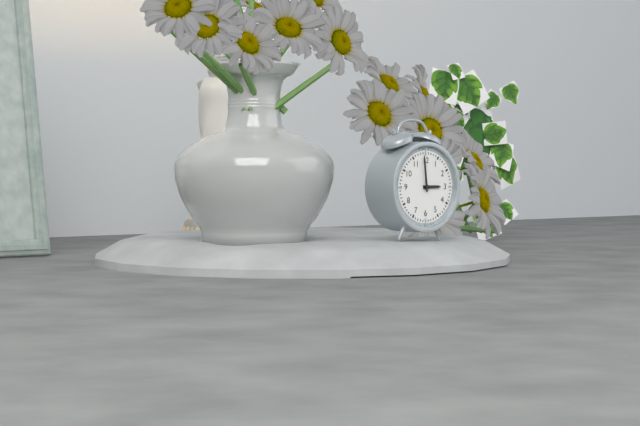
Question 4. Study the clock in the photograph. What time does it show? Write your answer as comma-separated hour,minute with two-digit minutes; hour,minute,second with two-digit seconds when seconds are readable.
2,59
